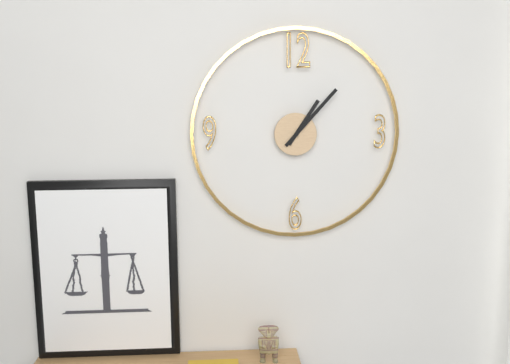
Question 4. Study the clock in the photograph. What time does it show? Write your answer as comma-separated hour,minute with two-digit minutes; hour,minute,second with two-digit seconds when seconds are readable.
1,07
